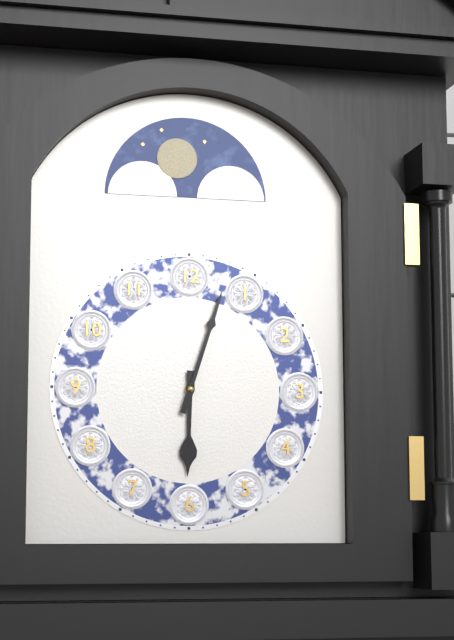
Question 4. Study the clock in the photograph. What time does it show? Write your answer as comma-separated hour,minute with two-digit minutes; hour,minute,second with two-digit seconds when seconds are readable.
6,03
